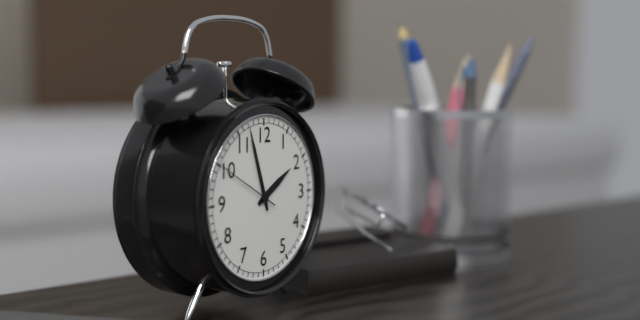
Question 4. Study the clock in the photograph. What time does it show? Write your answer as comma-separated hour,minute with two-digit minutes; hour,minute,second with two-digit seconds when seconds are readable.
1,57,50
